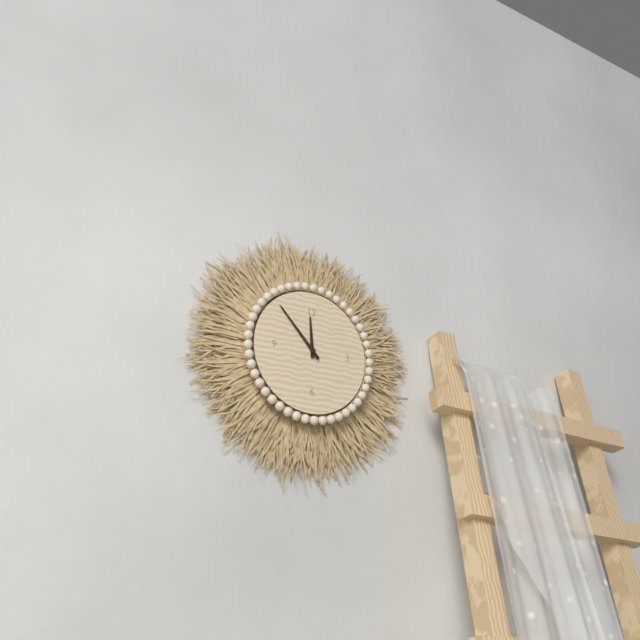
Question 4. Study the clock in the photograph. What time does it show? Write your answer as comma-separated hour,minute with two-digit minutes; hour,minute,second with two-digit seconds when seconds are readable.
11,53
